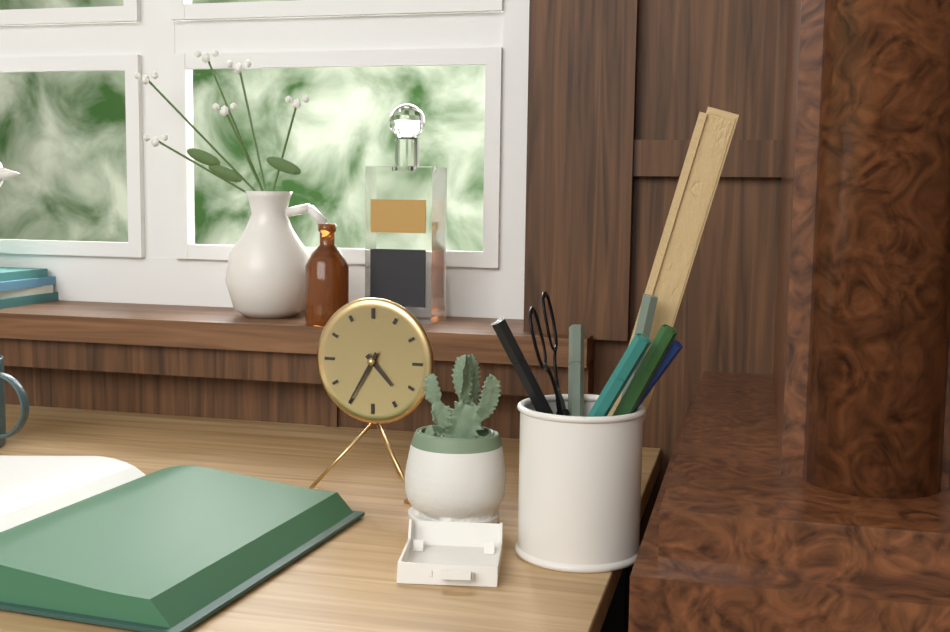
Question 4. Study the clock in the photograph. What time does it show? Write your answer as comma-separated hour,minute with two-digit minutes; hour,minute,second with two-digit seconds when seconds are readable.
4,35
